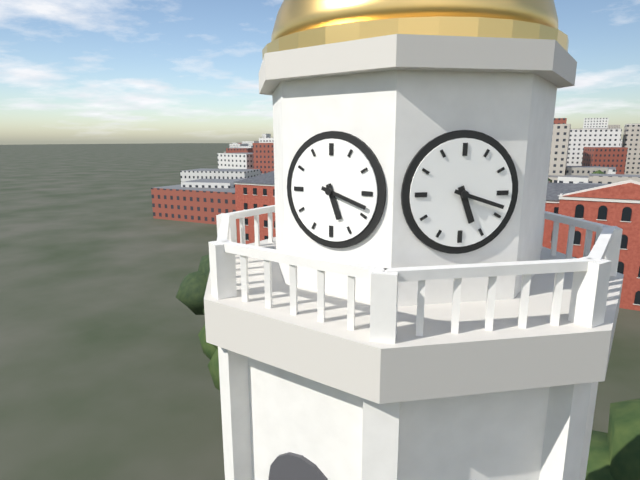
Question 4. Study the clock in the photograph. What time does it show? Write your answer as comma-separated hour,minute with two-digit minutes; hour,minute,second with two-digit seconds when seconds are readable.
5,18
